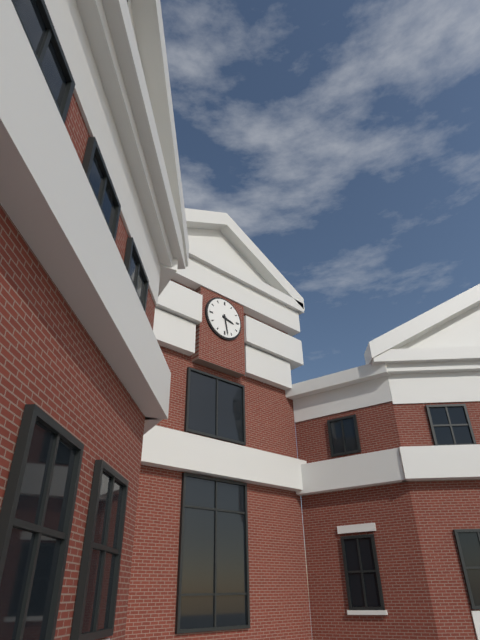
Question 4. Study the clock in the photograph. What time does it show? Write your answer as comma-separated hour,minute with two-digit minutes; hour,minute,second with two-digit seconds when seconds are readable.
3,28
